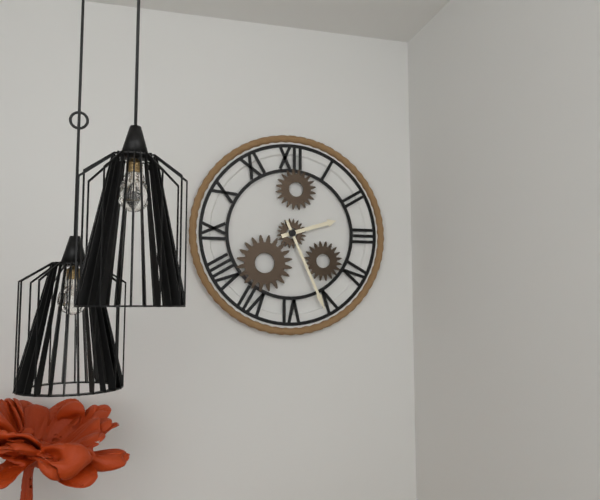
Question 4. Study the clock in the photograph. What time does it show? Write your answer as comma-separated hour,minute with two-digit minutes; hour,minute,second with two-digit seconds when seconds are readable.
2,26
